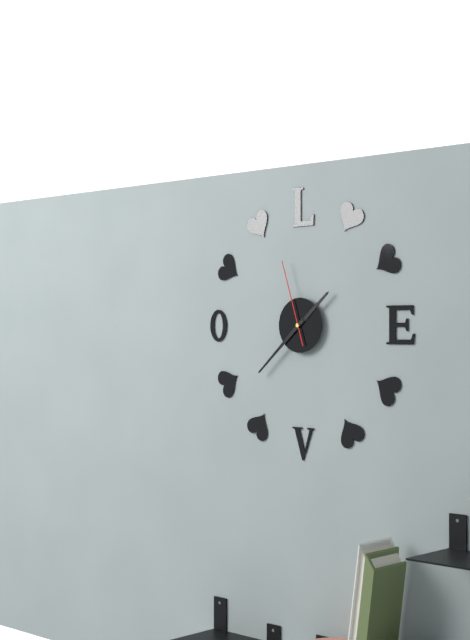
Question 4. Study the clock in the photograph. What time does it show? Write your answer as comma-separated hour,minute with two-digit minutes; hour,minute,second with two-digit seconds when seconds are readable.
1,38,57
